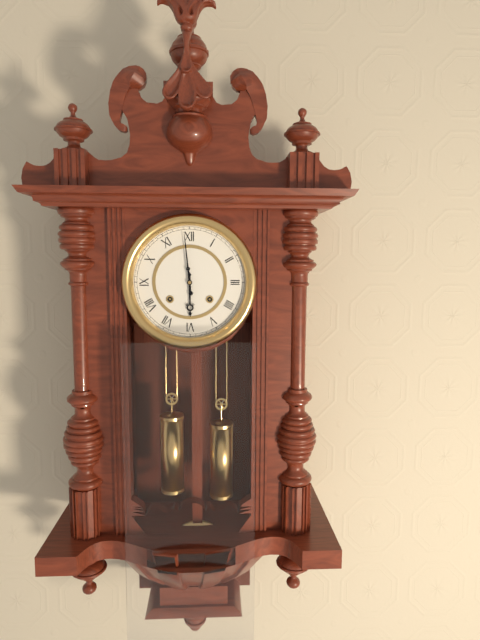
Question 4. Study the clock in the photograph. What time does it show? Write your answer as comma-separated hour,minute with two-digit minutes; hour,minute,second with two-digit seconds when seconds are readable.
5,59
